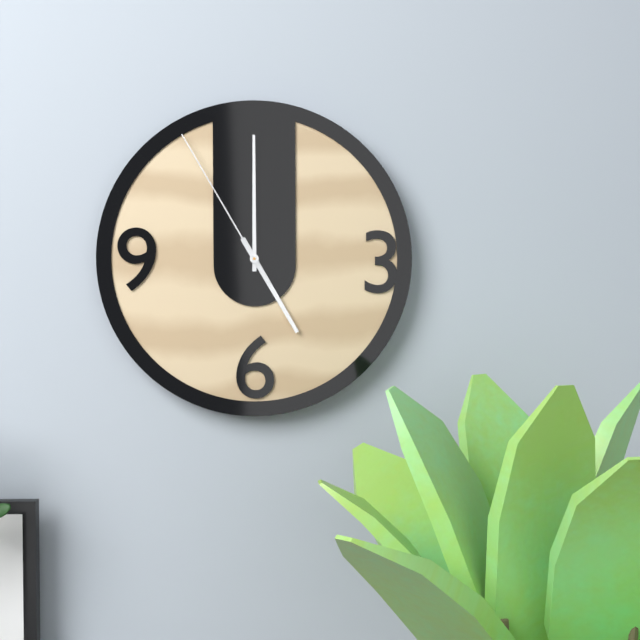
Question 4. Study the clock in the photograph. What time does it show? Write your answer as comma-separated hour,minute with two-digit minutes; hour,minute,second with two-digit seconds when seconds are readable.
5,00,55
